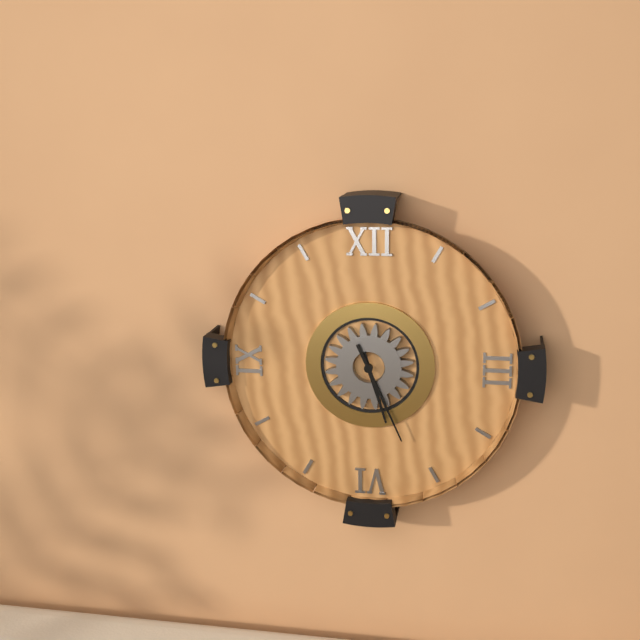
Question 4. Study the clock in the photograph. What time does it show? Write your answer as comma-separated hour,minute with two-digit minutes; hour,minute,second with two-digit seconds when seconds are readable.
5,26
